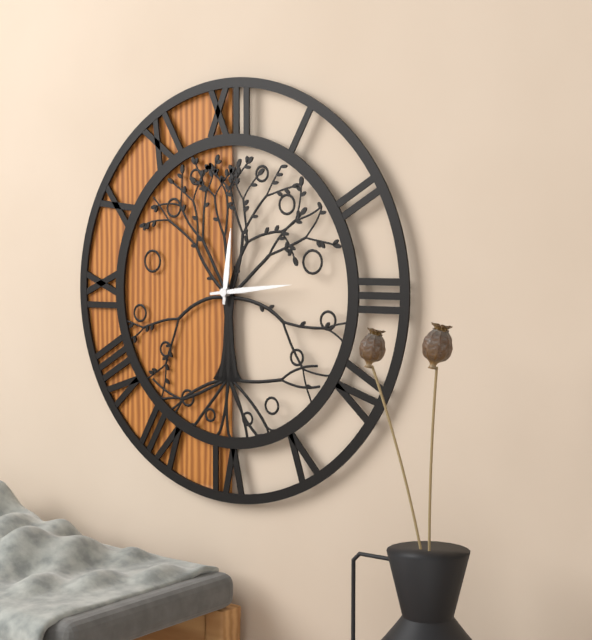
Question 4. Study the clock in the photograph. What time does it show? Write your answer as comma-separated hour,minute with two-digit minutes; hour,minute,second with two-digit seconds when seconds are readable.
12,14
